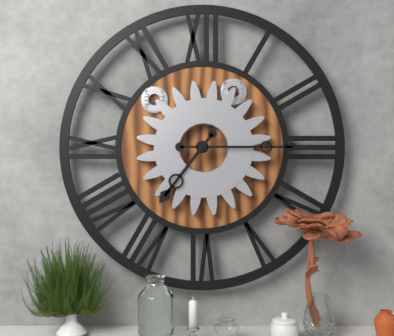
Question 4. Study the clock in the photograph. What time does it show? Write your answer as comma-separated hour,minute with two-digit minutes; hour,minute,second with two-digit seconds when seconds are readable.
7,15
